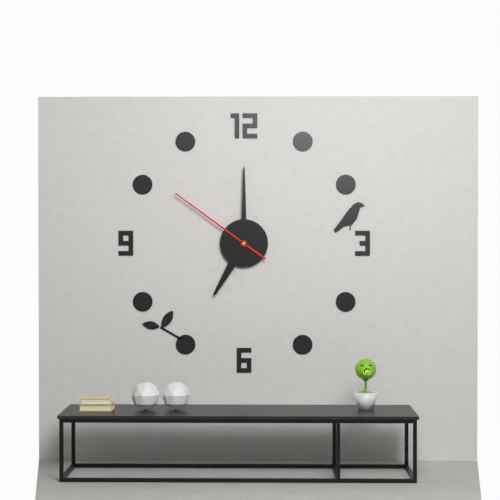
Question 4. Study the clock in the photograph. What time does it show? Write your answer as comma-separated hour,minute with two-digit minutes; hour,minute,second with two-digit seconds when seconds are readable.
7,00,51
